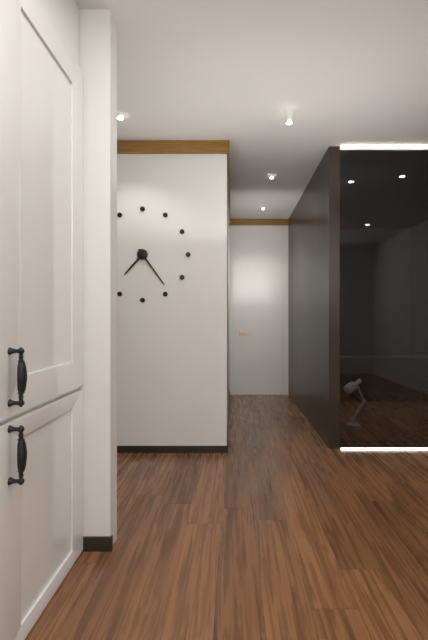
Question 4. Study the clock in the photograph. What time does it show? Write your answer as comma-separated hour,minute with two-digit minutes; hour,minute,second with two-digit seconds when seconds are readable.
7,24
